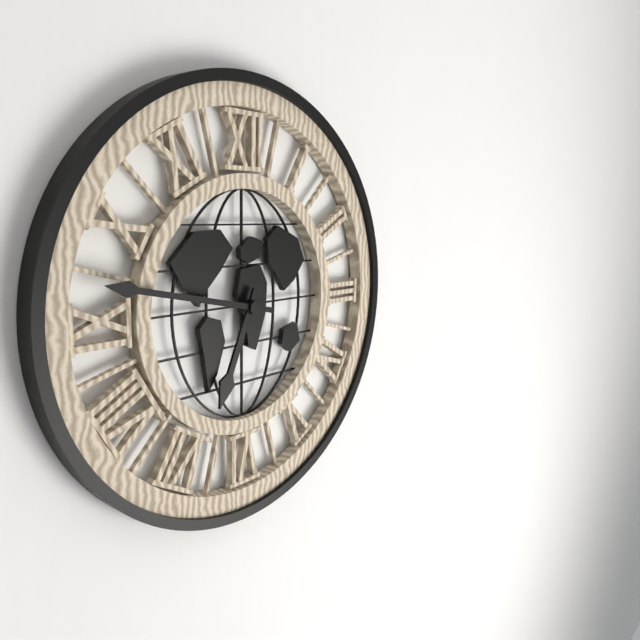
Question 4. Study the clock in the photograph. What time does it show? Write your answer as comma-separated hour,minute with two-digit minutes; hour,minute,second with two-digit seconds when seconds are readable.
6,47
